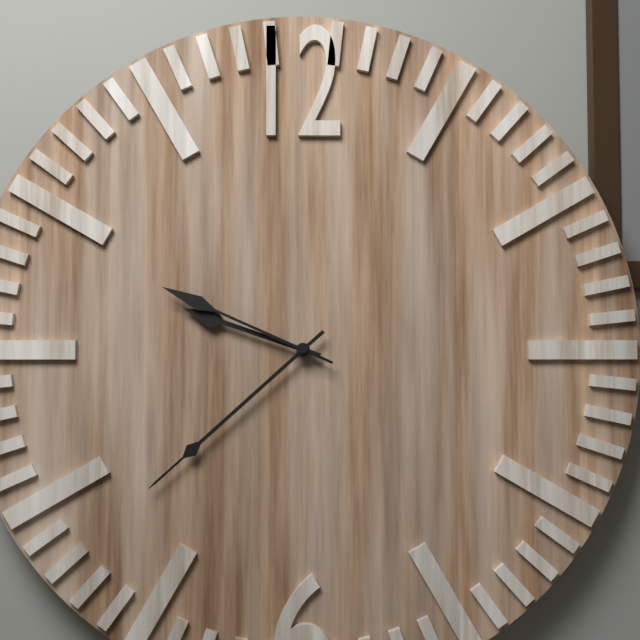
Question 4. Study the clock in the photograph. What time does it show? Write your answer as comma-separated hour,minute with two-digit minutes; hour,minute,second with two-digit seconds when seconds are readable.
9,38,49
